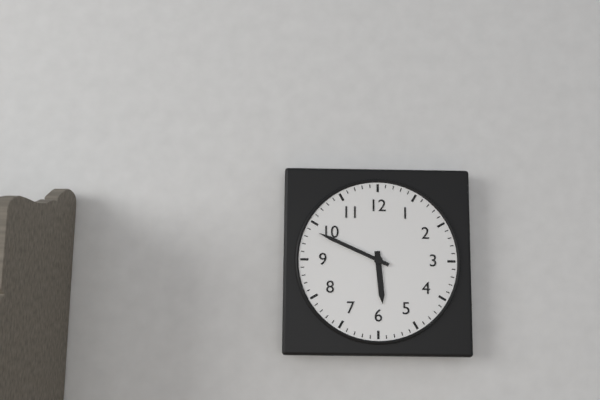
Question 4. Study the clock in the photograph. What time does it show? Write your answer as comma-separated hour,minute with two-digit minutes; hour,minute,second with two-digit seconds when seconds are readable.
5,49
